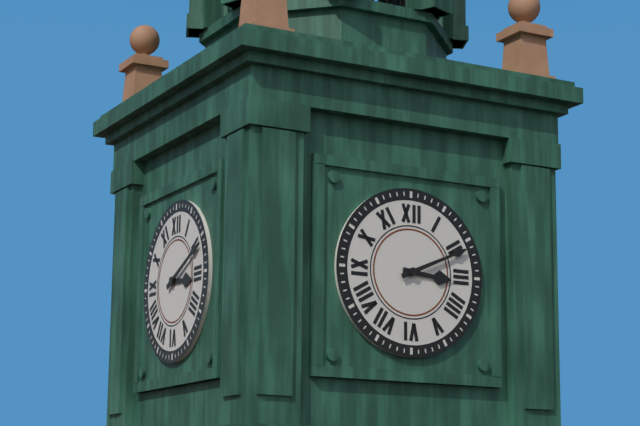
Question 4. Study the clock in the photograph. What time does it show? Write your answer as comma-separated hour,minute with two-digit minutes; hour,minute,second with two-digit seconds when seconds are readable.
3,11
